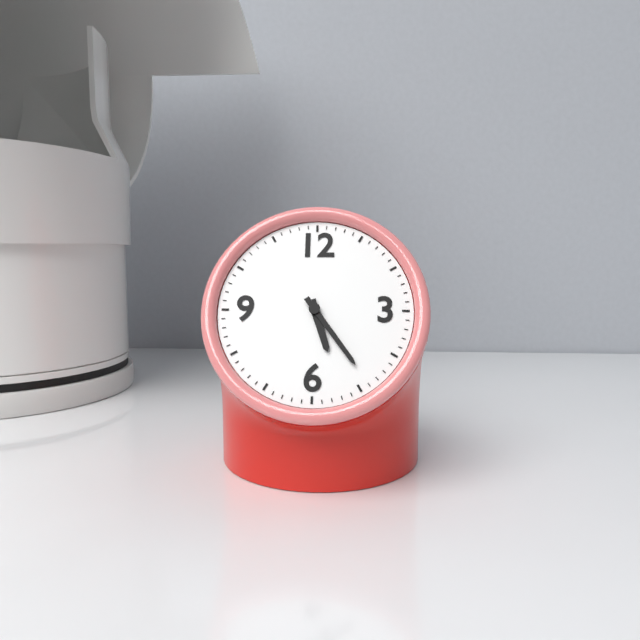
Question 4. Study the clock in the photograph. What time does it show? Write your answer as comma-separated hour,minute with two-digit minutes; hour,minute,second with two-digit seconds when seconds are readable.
5,24
